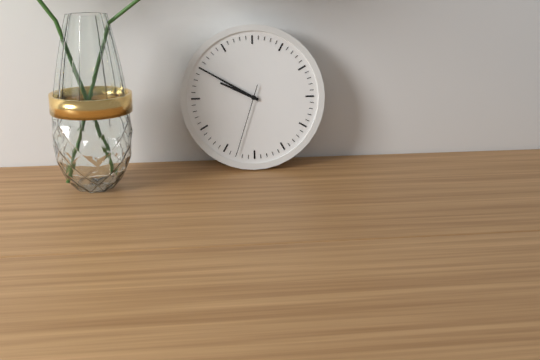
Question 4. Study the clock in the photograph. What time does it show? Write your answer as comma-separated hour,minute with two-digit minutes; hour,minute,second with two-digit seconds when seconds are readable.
9,50,33
